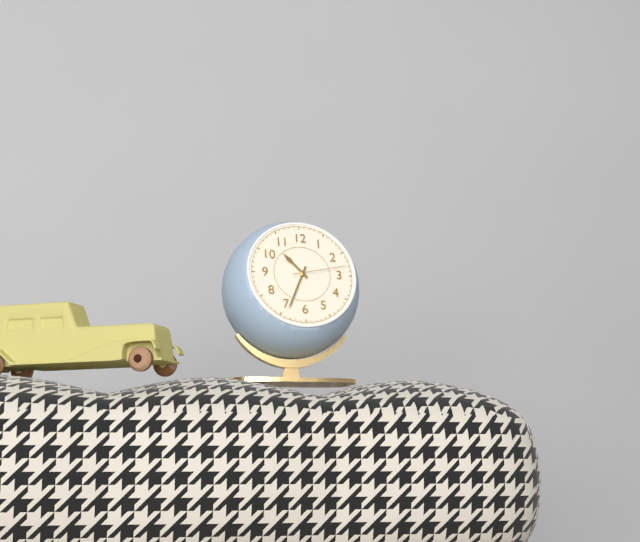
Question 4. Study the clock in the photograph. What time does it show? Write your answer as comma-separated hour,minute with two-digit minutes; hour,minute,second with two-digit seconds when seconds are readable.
10,34,13
